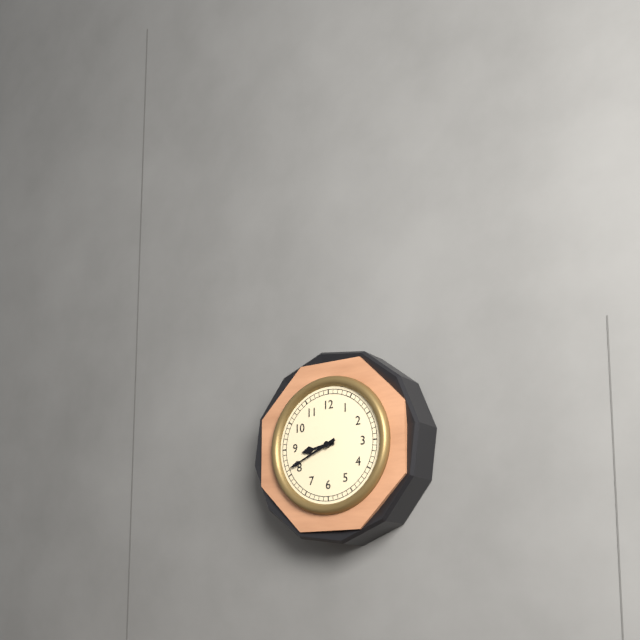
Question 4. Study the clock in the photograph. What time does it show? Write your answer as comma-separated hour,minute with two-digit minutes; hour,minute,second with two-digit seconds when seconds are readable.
8,41
